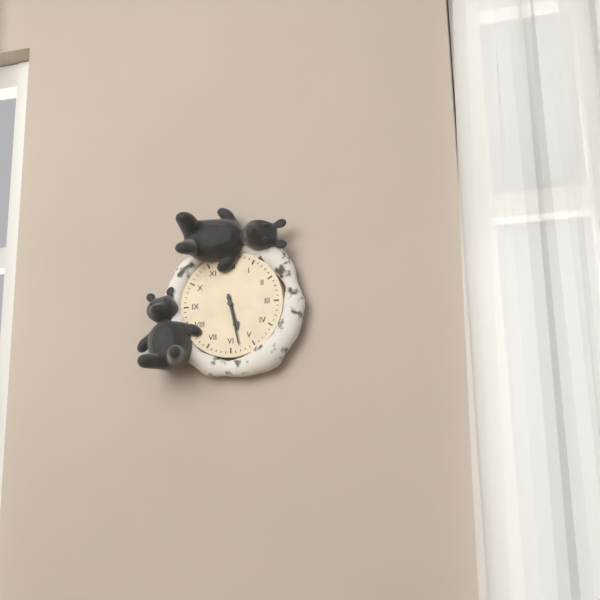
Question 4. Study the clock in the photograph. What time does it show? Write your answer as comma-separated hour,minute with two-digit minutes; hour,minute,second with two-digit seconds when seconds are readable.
5,28
